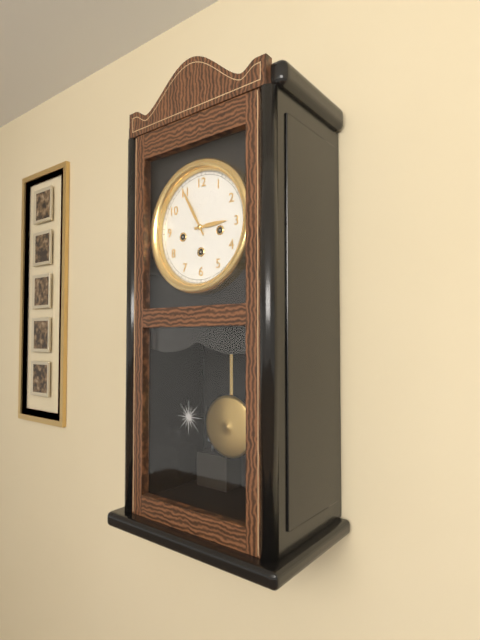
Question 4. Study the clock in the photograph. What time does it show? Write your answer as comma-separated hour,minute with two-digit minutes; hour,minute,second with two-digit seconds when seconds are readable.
2,55
